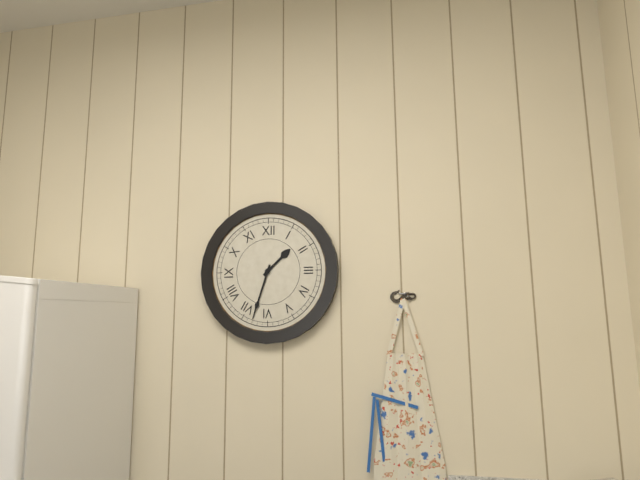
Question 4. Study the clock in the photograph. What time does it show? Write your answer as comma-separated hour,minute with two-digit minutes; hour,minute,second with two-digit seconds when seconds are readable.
1,33
